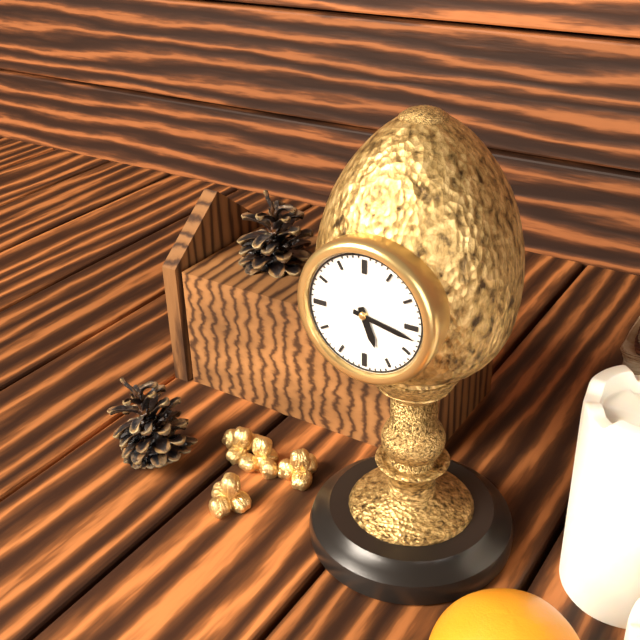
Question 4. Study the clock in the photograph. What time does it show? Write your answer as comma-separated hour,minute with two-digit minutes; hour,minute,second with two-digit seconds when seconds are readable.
5,17
